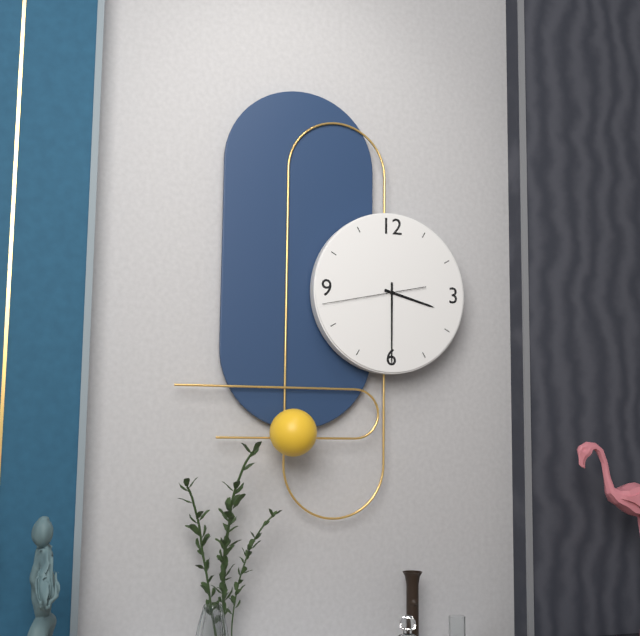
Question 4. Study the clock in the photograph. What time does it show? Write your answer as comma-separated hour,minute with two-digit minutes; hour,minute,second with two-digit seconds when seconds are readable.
3,30,43
